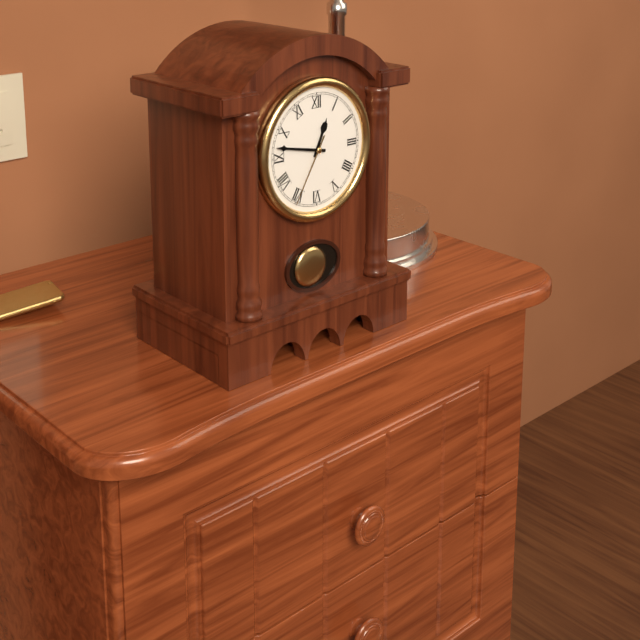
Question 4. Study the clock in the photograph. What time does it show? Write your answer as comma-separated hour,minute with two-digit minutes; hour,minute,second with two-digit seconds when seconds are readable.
12,47,35
